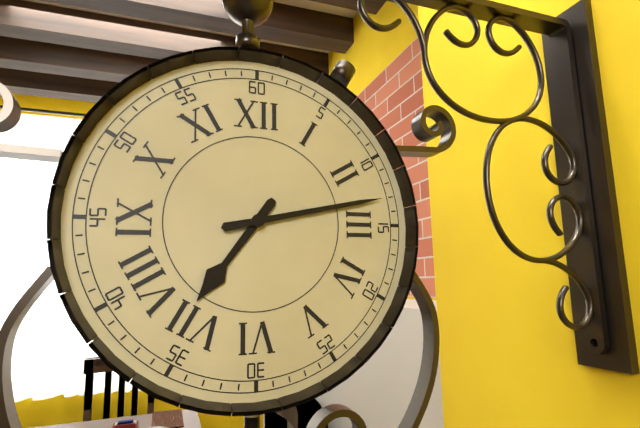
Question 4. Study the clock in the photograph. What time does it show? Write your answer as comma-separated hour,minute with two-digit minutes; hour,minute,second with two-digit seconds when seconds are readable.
7,13
